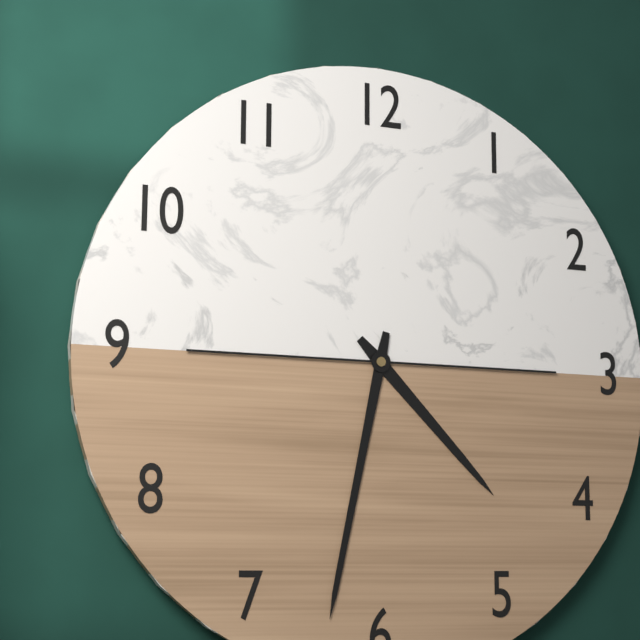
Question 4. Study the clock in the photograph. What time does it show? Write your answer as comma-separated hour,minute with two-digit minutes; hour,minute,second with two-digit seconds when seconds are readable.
4,32
